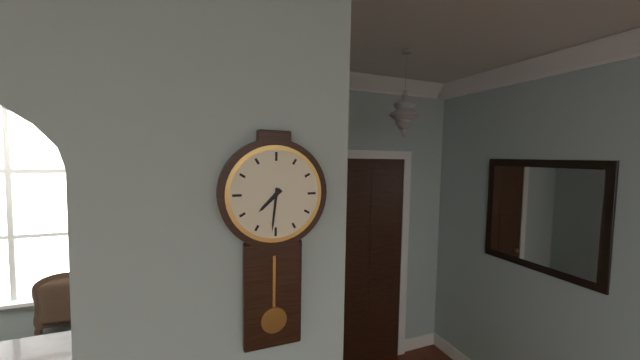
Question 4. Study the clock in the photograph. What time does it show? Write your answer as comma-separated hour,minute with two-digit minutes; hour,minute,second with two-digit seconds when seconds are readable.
7,31
